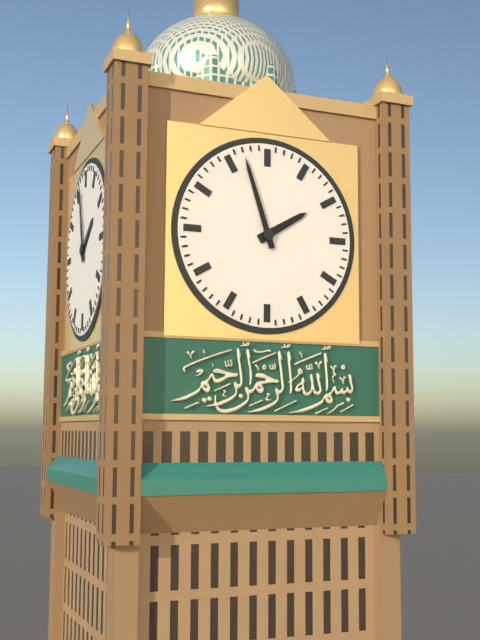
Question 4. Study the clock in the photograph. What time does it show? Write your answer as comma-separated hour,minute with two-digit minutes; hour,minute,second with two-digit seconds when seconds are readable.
1,57
